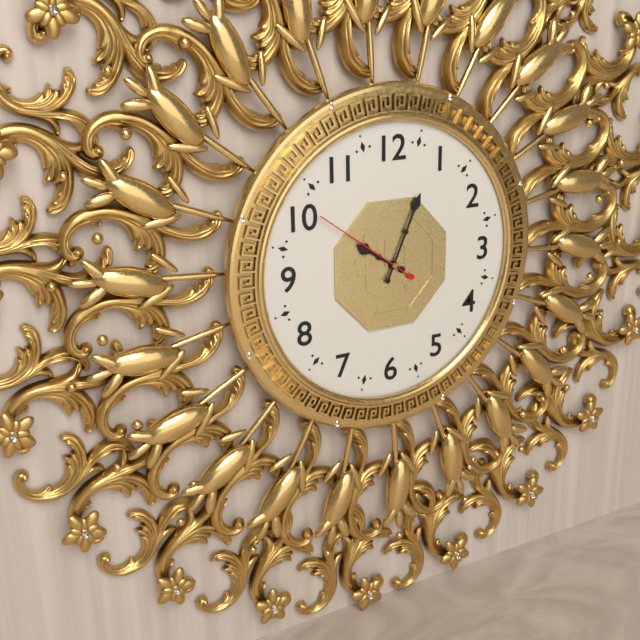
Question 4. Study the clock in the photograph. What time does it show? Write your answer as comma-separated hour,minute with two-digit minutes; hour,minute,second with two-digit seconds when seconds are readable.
10,04,51
